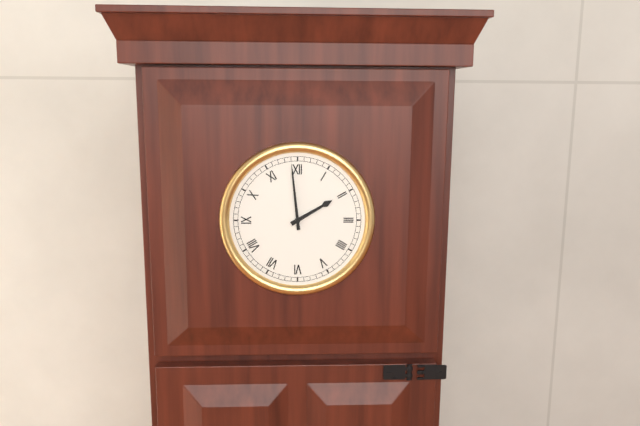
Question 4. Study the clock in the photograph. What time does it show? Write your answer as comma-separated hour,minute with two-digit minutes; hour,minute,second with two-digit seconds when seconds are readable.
1,59
